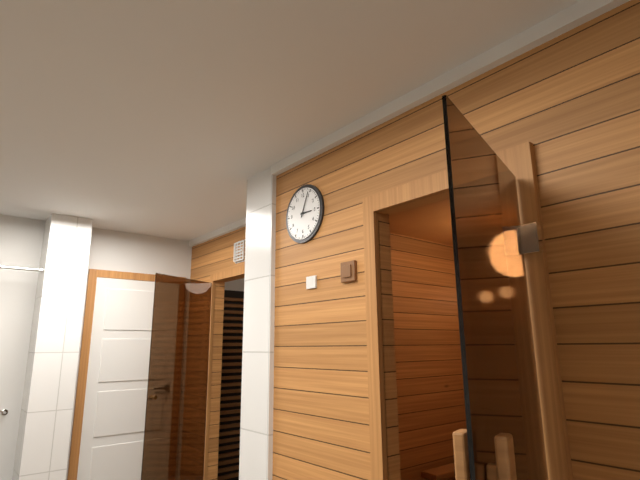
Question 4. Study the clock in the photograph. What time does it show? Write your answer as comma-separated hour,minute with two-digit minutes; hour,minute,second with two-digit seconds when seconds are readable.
3,04
